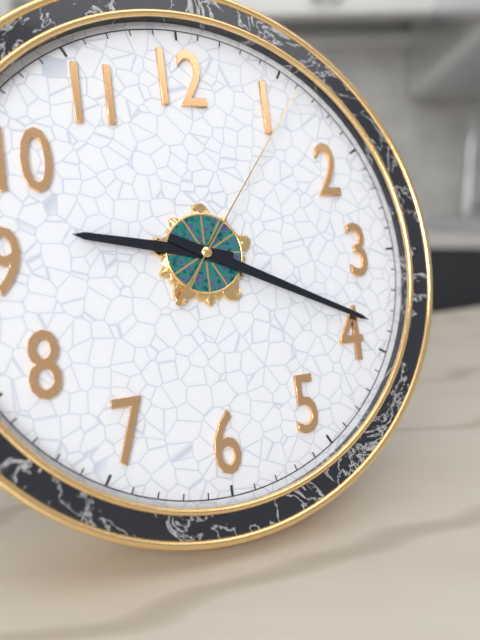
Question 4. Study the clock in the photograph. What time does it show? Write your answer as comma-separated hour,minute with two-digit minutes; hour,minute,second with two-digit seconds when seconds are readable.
9,19,06
